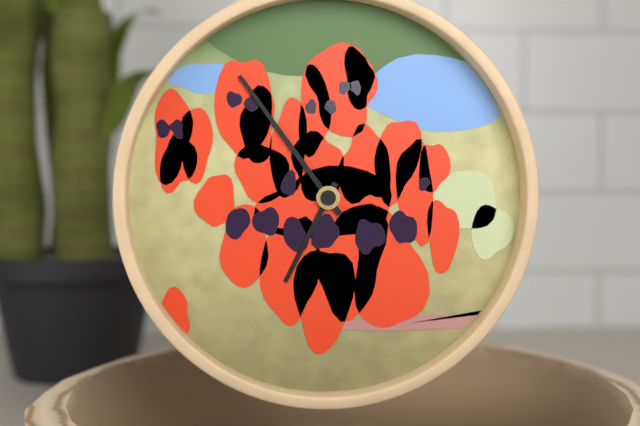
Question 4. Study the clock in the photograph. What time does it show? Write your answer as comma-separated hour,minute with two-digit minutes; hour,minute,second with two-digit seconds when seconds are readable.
6,54
